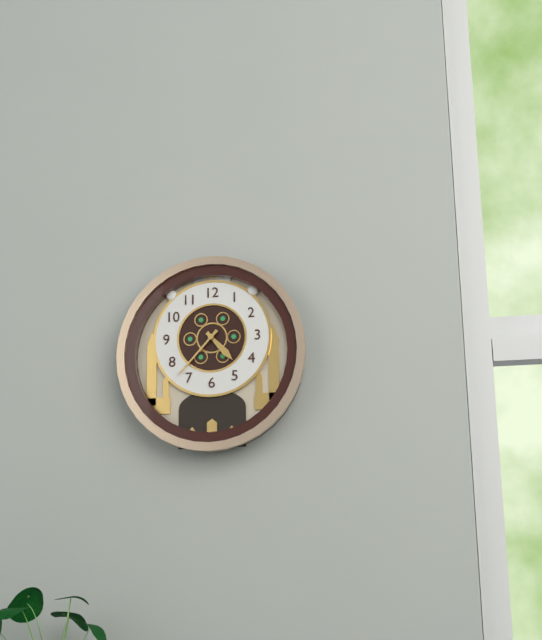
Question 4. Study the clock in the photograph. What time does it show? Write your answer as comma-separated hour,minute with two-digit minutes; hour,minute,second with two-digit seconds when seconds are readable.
4,37
